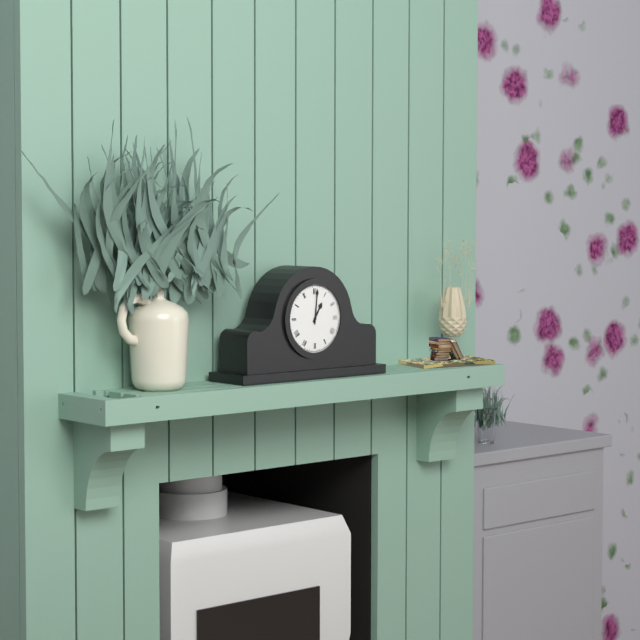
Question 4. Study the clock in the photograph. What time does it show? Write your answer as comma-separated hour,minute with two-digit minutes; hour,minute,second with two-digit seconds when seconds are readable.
1,01
